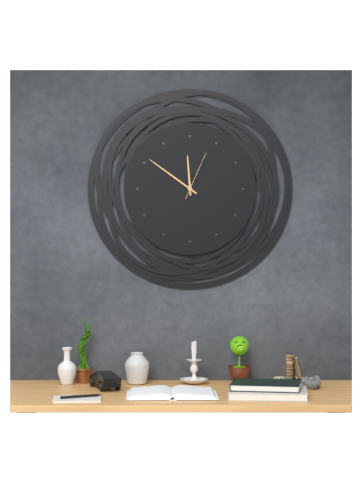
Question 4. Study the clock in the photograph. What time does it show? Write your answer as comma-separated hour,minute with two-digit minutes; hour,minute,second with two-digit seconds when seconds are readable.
11,51,04
